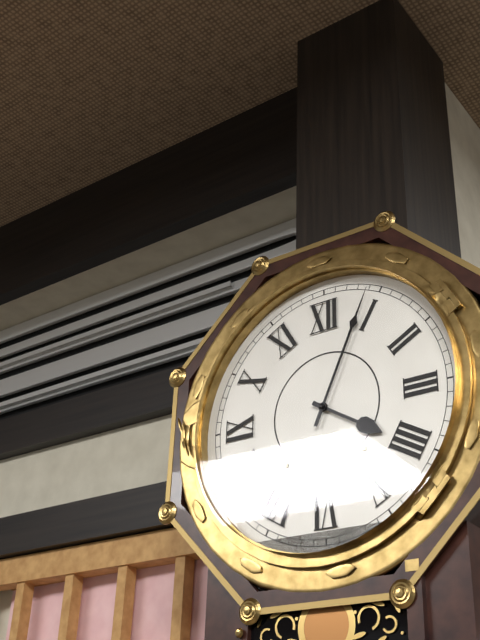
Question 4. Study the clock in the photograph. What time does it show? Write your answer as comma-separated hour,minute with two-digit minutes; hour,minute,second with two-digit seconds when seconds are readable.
4,04
